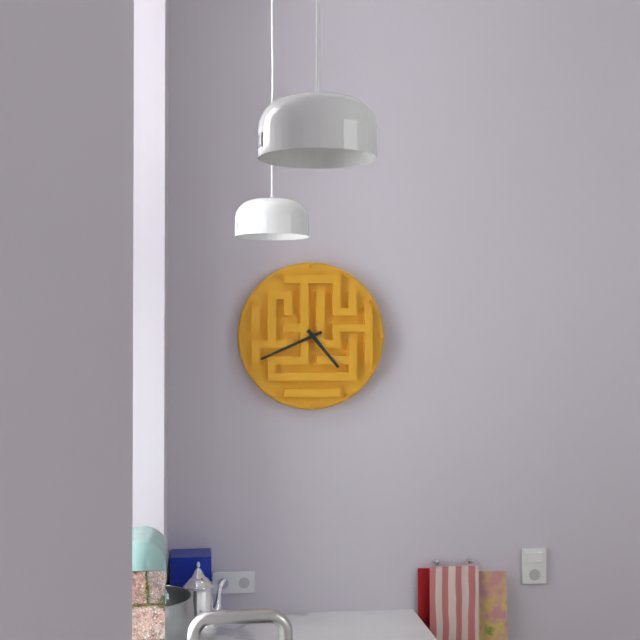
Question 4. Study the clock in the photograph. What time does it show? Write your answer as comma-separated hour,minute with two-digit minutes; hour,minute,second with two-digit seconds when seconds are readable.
4,41
